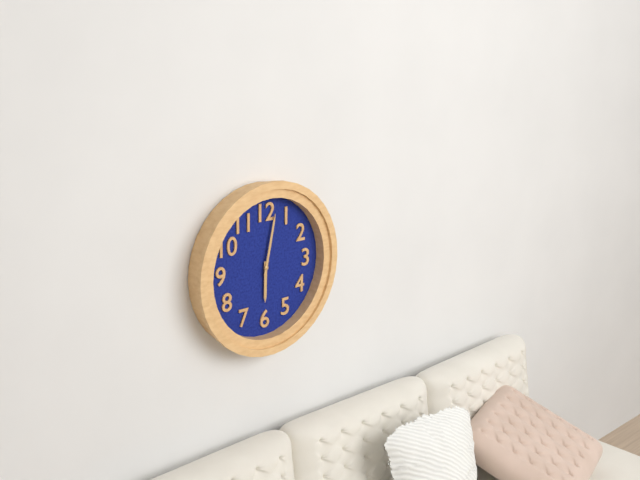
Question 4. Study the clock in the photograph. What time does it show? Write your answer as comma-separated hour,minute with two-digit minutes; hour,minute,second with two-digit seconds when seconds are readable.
6,02
